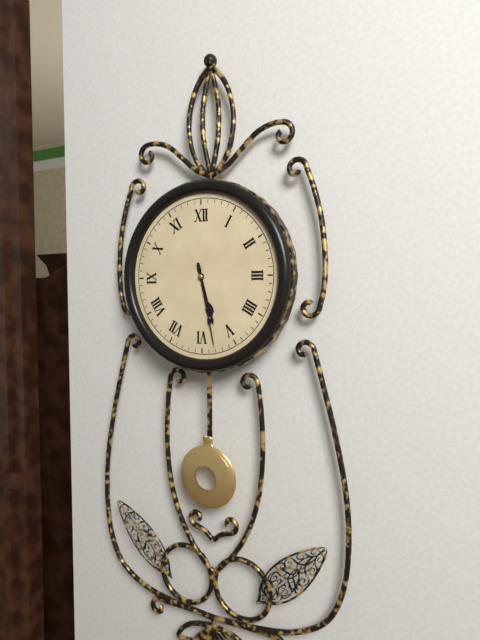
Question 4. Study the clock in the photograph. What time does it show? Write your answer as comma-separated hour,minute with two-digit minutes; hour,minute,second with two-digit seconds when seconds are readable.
5,28
